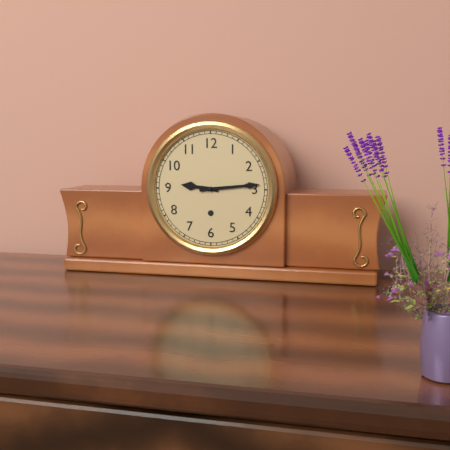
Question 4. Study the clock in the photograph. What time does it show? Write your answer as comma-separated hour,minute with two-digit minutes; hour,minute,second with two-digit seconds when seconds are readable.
9,14
